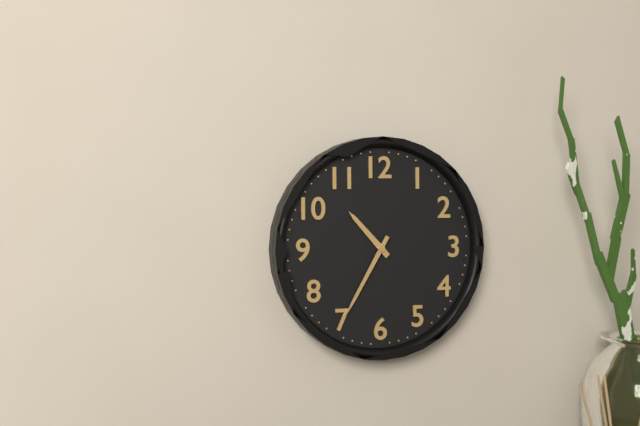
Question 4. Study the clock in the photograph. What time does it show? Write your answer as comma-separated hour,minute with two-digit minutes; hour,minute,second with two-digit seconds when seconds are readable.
10,35
